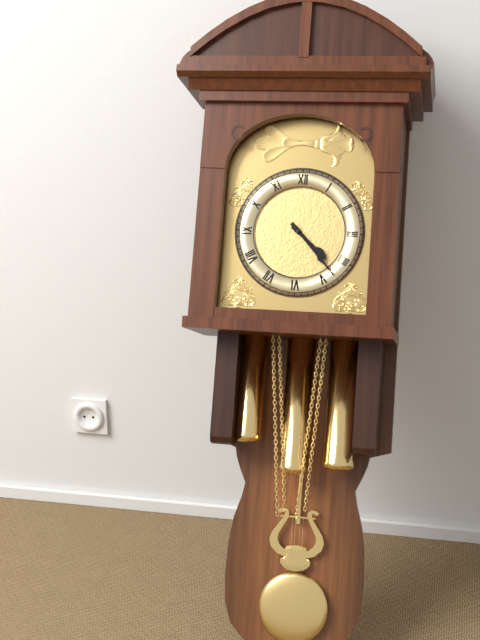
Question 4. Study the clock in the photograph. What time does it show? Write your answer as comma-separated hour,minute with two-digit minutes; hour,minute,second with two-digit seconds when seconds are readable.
4,23
